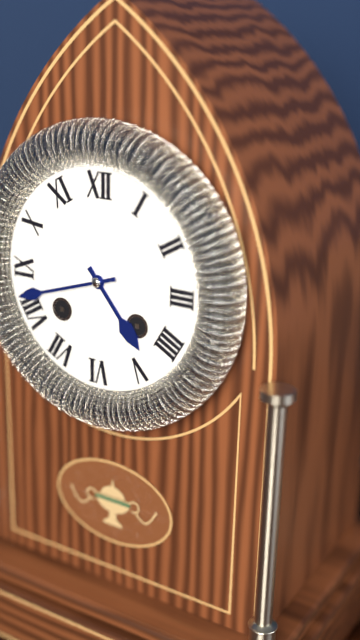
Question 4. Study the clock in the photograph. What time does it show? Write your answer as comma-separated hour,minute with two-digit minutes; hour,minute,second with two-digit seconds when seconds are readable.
4,42
